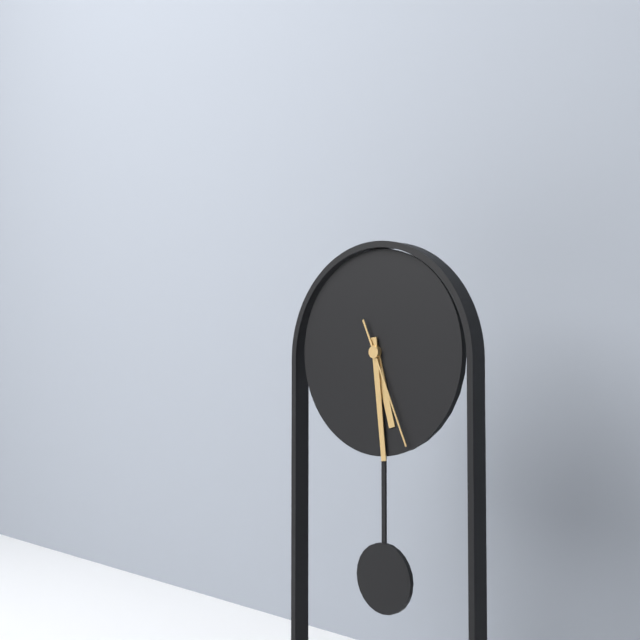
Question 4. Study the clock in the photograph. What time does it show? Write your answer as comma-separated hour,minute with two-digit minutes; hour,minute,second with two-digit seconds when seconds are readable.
5,29,26
